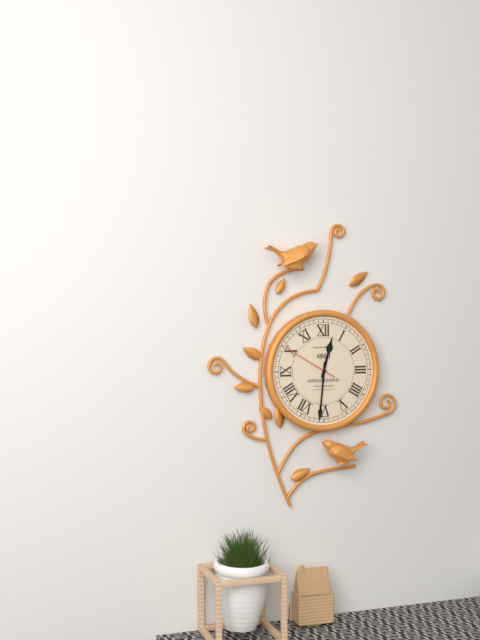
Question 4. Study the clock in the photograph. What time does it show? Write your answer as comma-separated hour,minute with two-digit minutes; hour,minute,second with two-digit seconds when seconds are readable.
12,31,50
